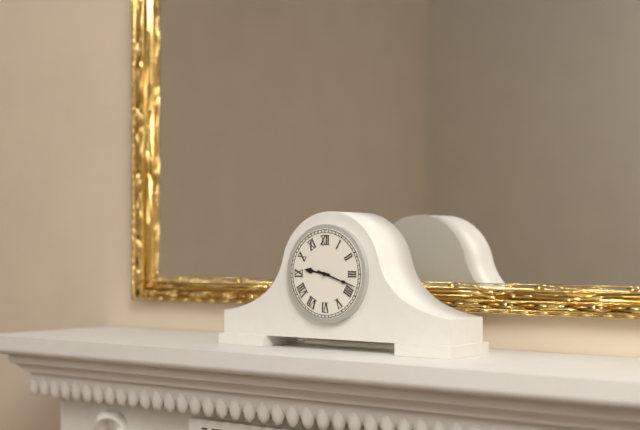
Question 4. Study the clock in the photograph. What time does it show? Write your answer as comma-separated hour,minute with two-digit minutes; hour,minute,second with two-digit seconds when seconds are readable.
9,18
